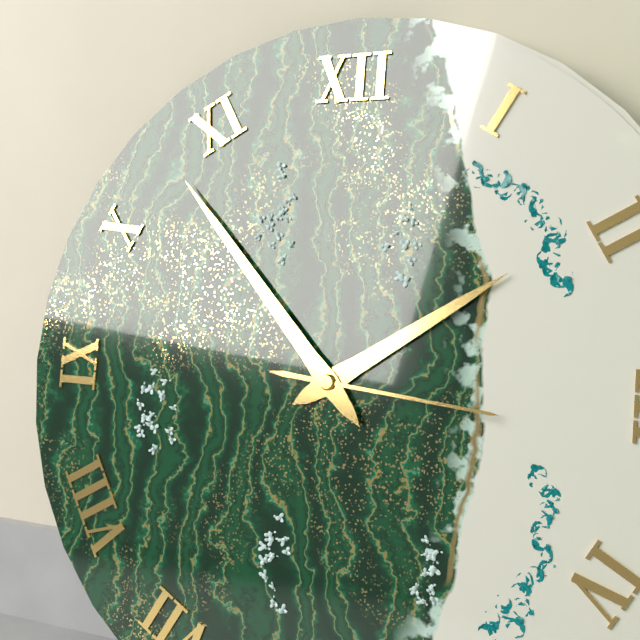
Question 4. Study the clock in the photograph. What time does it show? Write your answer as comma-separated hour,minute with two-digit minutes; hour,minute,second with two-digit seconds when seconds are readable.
1,53,16
